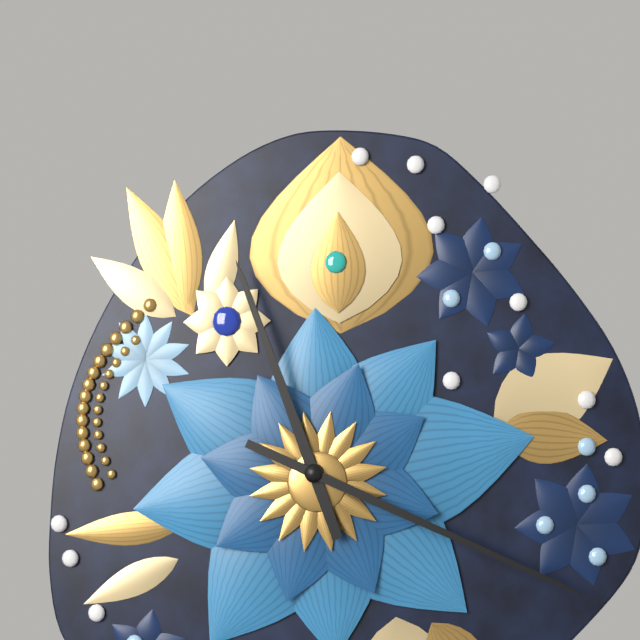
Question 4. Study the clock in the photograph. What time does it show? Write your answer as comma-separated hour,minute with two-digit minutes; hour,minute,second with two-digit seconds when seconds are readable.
11,19
